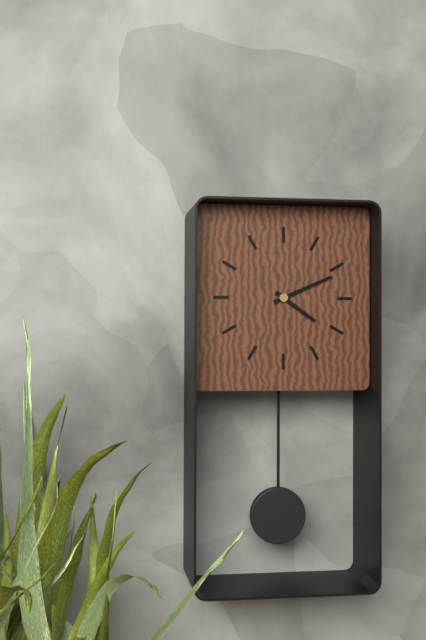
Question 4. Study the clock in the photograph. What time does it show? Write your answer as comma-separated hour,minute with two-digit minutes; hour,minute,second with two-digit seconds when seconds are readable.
4,11
